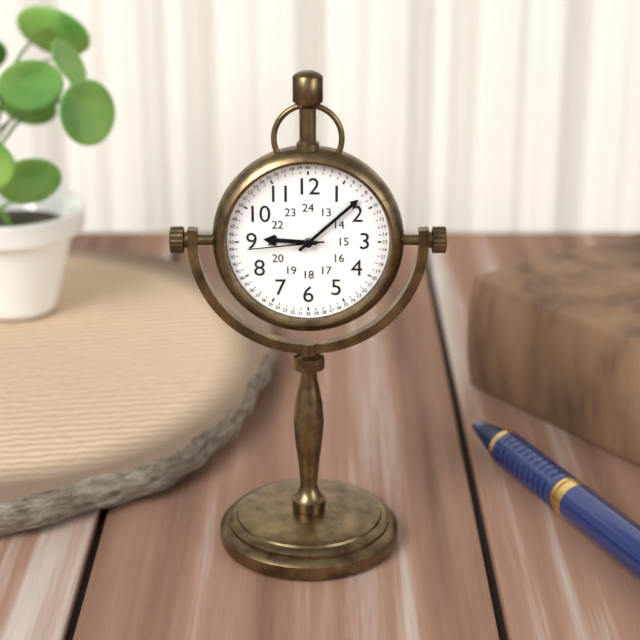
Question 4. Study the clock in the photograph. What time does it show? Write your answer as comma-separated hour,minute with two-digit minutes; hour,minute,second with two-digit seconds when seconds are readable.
9,08,44
